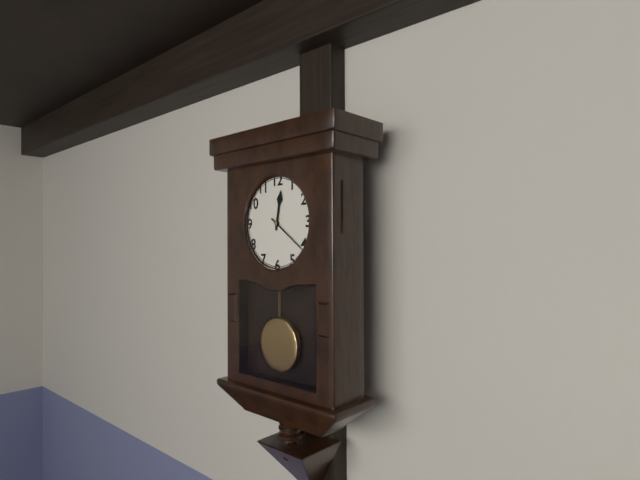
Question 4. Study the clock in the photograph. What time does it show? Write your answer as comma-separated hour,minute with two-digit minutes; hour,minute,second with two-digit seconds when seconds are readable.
12,21
